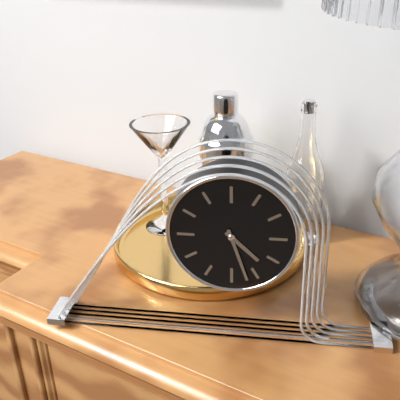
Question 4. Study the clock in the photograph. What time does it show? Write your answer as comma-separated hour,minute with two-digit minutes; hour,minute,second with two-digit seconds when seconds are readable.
4,27
